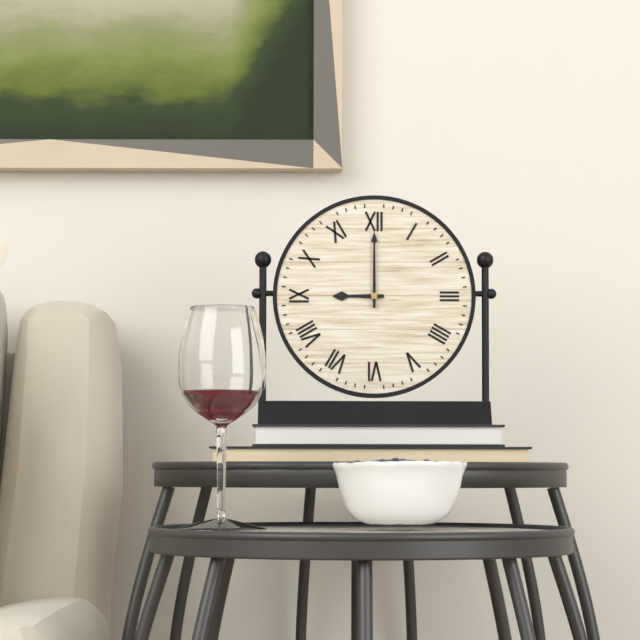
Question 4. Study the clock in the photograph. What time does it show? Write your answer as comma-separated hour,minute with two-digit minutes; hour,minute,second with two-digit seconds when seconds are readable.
9,00
